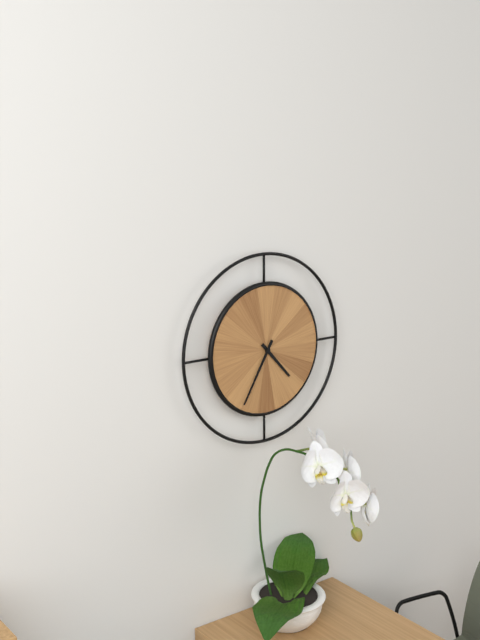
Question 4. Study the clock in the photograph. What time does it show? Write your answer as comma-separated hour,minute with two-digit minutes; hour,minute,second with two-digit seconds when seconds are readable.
4,35
